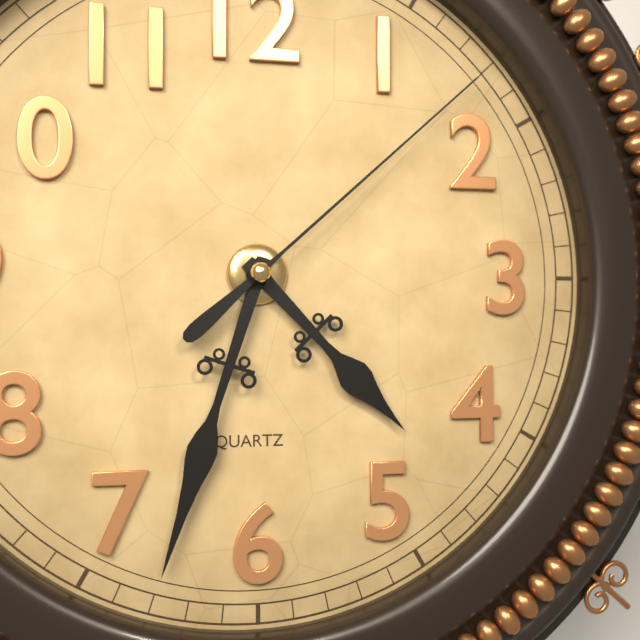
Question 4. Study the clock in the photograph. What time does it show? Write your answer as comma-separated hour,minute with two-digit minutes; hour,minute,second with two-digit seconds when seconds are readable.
4,33,08
